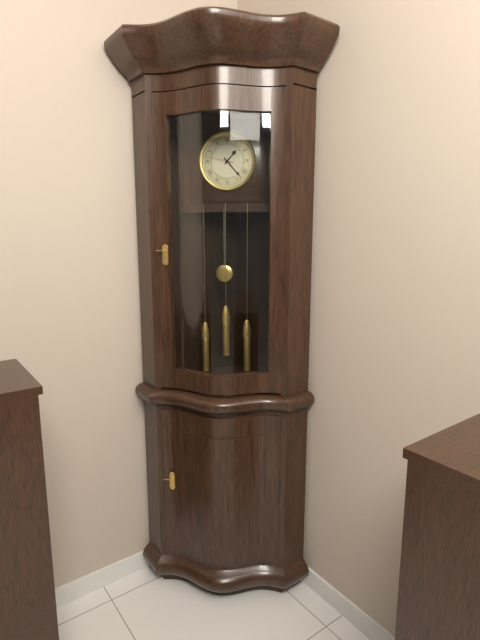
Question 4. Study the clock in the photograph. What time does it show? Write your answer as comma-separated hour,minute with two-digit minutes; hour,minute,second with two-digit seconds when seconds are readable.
1,23
